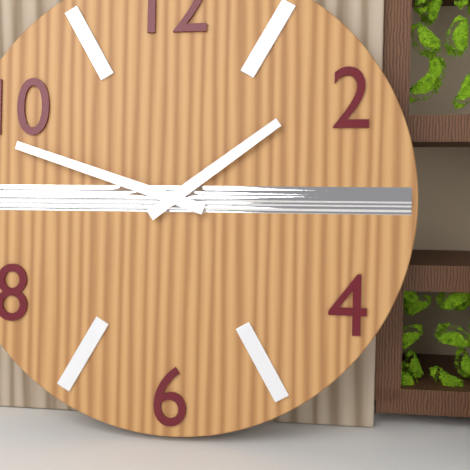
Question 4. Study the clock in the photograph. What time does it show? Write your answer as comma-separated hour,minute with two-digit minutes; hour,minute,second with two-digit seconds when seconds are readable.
1,48
